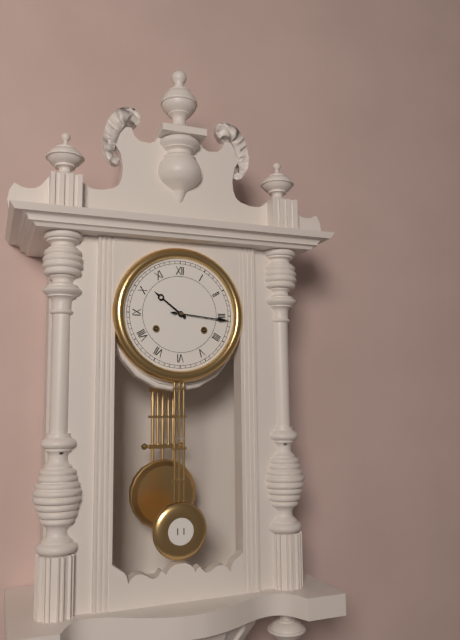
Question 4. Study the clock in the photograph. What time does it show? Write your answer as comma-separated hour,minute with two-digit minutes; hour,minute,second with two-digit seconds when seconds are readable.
10,16
